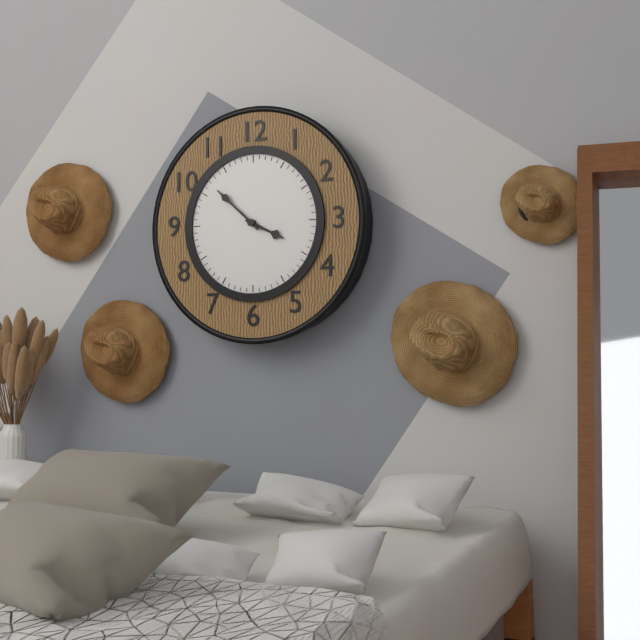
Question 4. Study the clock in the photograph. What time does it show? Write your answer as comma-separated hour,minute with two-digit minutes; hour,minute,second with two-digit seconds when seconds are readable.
3,52
